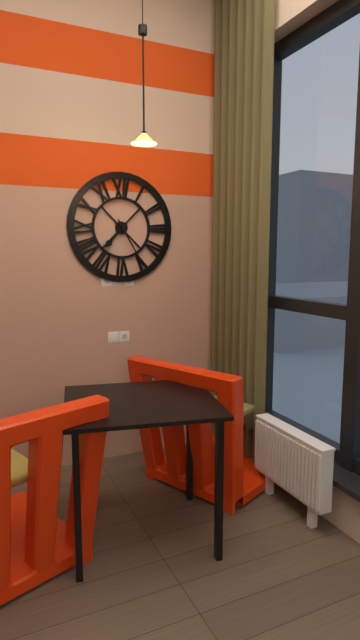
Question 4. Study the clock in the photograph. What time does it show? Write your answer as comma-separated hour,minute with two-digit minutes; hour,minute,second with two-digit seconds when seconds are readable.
7,25
